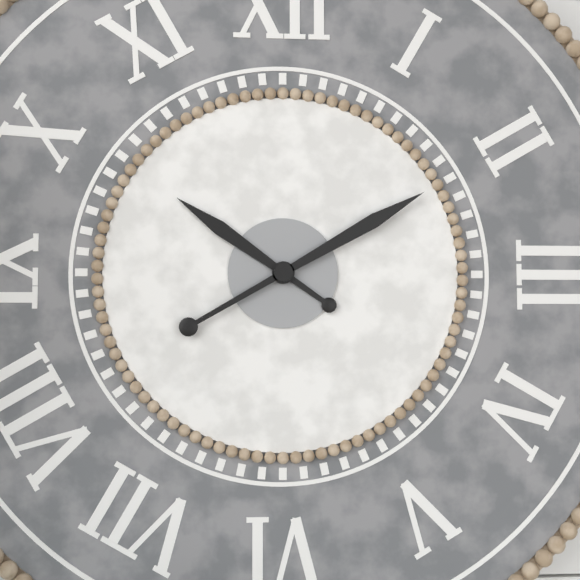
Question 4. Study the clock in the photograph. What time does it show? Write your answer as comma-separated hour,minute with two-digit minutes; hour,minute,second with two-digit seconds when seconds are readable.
10,10
